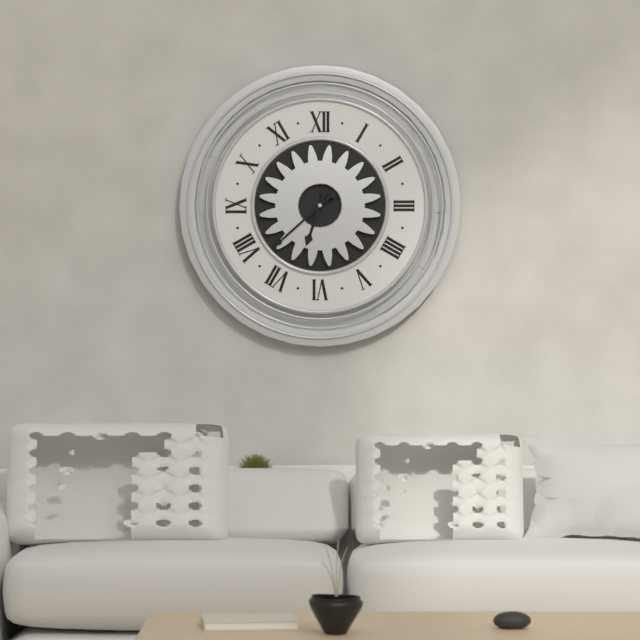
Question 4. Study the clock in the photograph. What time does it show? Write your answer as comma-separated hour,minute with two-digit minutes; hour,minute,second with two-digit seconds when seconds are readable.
6,38
